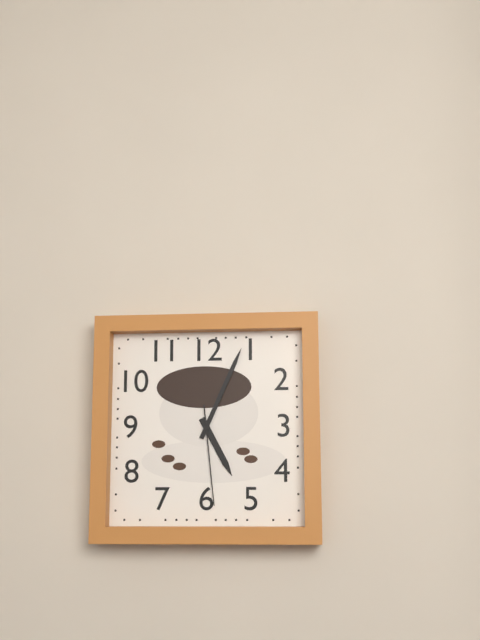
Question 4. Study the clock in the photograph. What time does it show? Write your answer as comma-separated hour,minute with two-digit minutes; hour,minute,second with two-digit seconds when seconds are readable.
5,04,29
